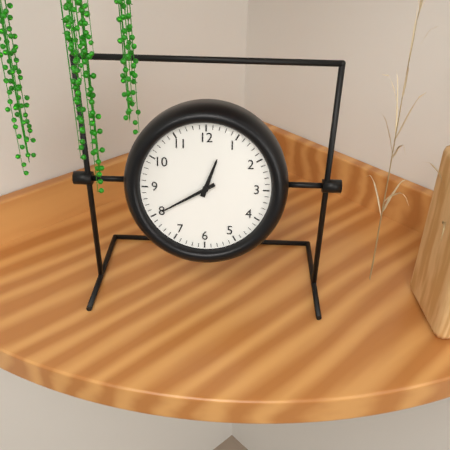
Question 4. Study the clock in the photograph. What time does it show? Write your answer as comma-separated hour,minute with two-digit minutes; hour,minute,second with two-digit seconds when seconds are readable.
12,40
